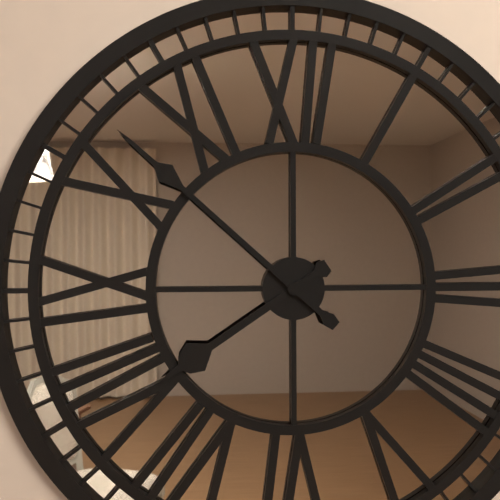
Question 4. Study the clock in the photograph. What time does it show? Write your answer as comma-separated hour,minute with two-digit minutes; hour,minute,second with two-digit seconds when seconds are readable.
7,52
